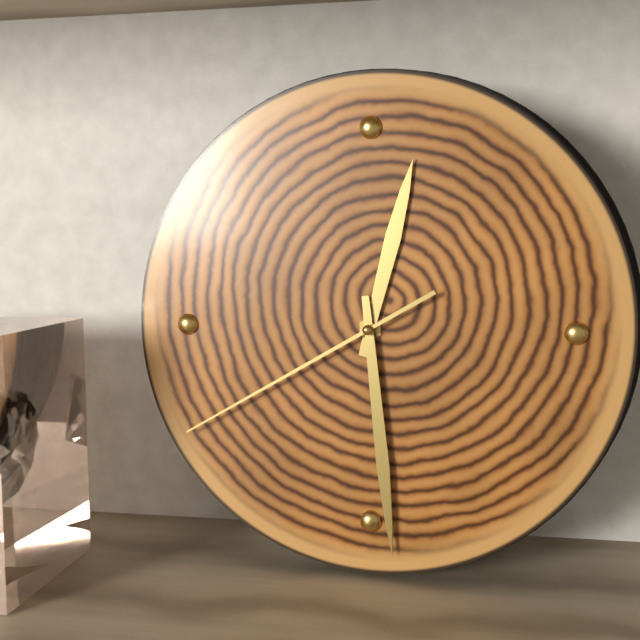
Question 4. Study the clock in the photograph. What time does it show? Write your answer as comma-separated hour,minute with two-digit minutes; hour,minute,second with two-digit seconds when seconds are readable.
12,29,40
